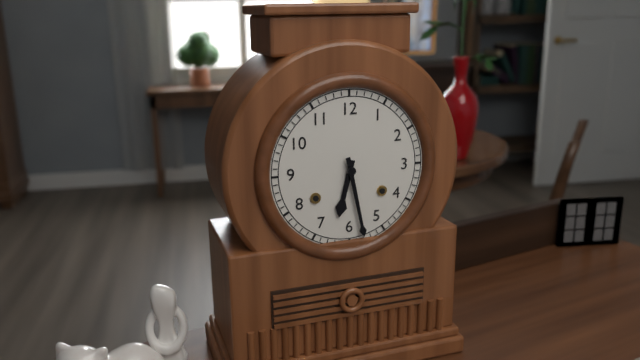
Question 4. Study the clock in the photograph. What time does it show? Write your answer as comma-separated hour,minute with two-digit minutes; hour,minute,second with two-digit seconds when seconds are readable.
6,28
